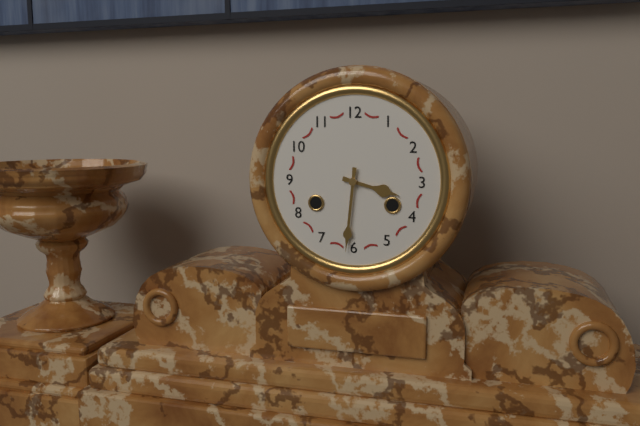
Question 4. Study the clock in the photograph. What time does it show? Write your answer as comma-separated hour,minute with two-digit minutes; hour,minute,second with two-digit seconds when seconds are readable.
3,31
